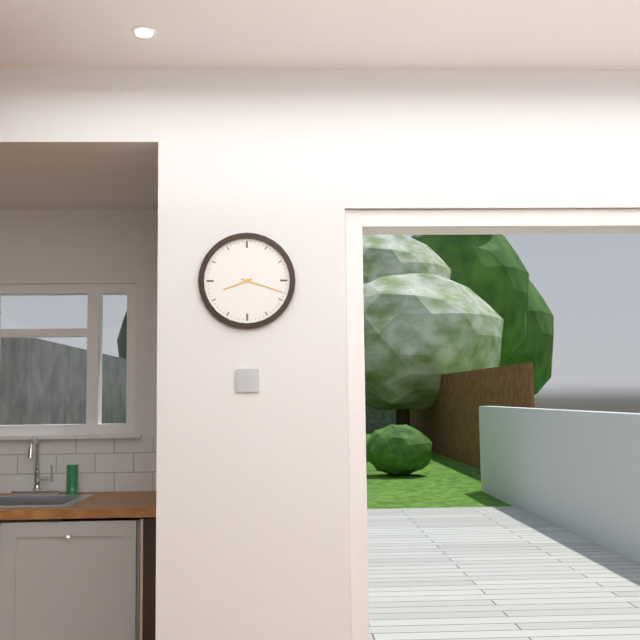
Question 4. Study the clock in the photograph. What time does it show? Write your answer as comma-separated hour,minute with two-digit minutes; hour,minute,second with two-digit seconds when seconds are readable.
8,18
